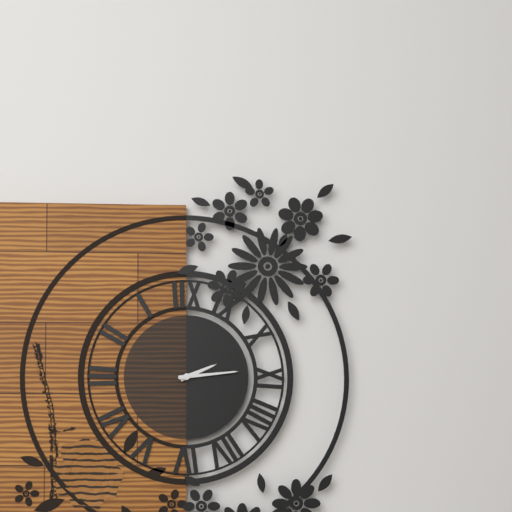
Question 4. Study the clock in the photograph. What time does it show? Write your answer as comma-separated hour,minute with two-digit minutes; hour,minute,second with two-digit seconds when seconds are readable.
2,14
